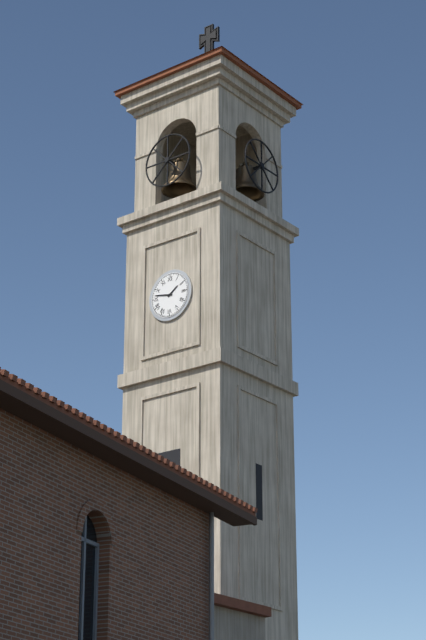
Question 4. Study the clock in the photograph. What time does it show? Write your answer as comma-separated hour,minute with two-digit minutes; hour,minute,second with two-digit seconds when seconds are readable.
1,47
